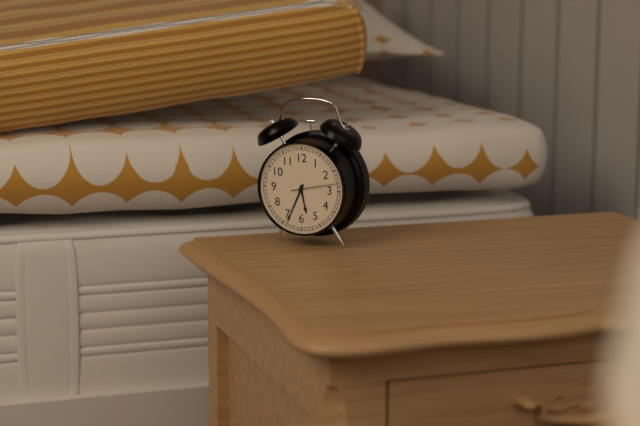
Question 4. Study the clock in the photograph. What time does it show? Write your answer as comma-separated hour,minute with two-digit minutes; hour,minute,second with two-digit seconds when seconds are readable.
5,34
